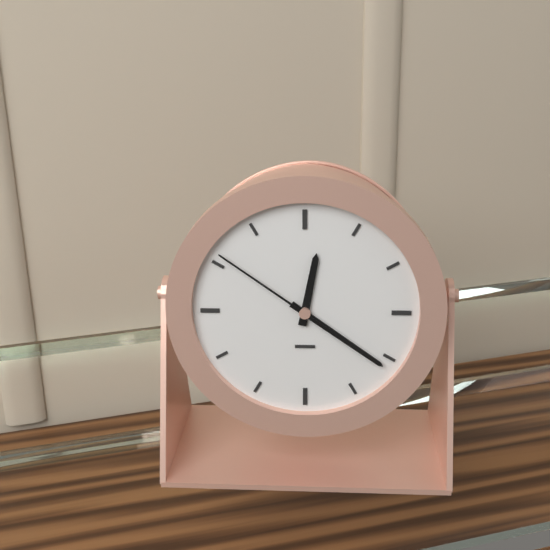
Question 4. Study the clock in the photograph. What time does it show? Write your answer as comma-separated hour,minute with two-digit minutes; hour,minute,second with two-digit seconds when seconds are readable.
12,21,51
